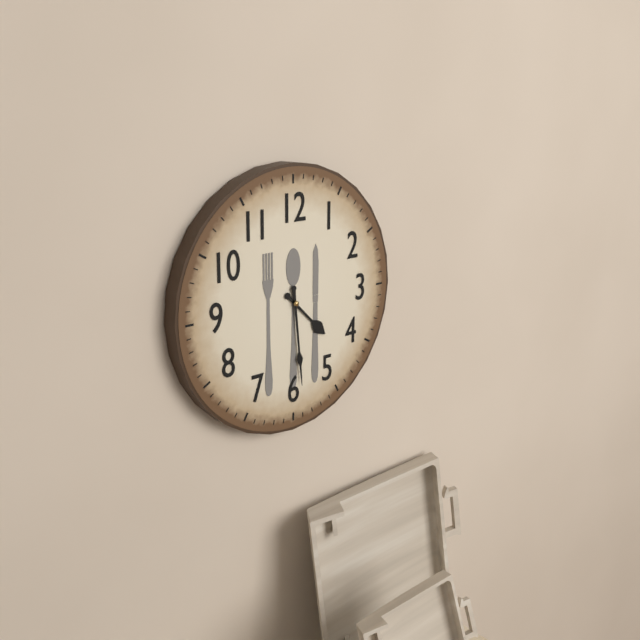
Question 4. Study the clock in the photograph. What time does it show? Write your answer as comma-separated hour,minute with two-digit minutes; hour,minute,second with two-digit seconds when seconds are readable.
4,29
